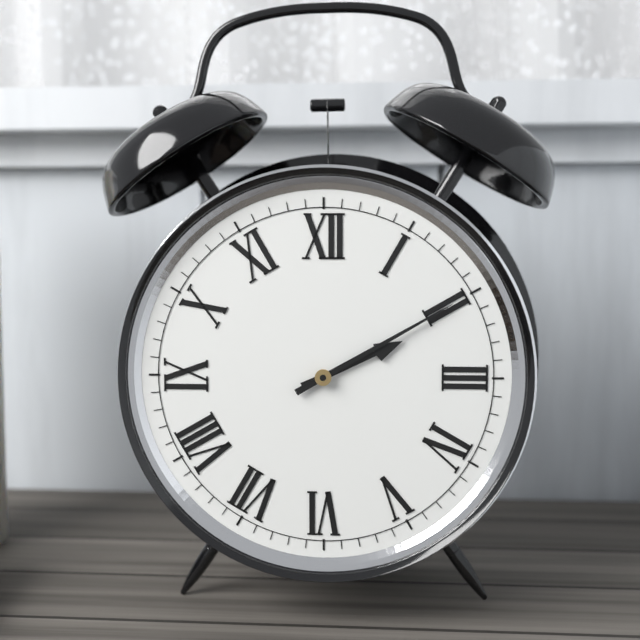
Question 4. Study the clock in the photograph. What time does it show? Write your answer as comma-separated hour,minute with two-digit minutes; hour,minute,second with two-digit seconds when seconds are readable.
2,10
